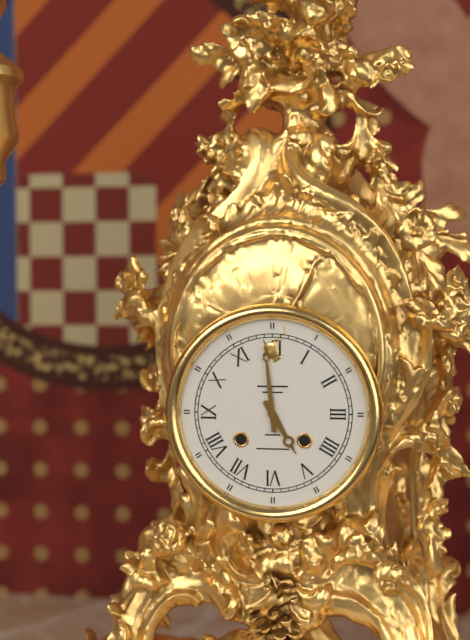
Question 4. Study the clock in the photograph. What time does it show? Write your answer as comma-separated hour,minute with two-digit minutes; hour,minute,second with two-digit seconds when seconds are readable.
4,59
